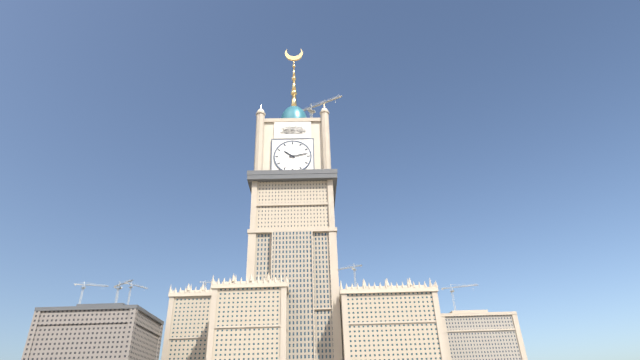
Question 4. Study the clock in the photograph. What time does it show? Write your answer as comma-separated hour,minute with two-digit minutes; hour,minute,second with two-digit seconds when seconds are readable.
10,13
